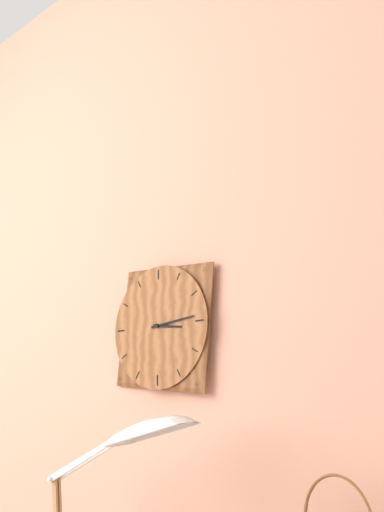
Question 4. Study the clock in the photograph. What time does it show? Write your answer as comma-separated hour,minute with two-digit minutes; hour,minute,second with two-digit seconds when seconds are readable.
3,14
